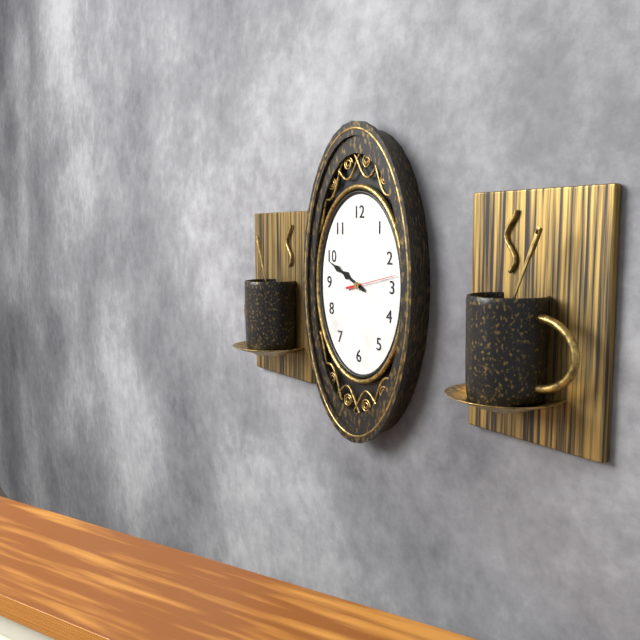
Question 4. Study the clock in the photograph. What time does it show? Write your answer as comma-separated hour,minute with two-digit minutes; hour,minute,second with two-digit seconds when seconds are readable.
9,49,13
